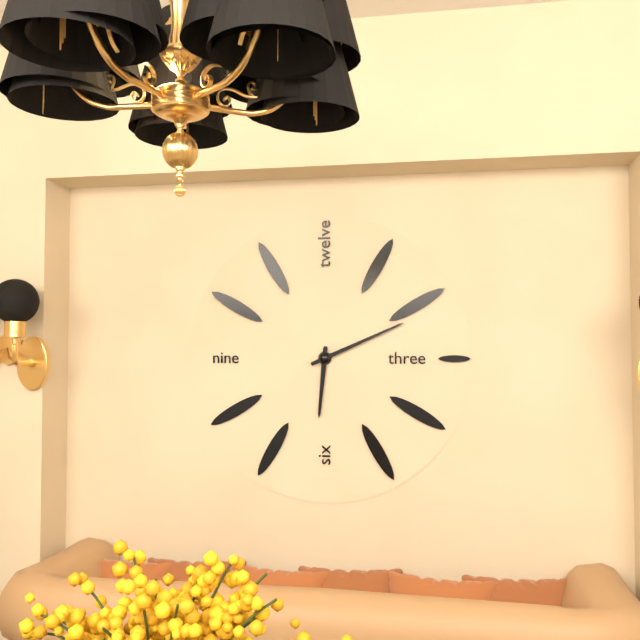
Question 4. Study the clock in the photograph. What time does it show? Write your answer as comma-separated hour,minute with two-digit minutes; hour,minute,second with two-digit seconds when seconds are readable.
6,11
